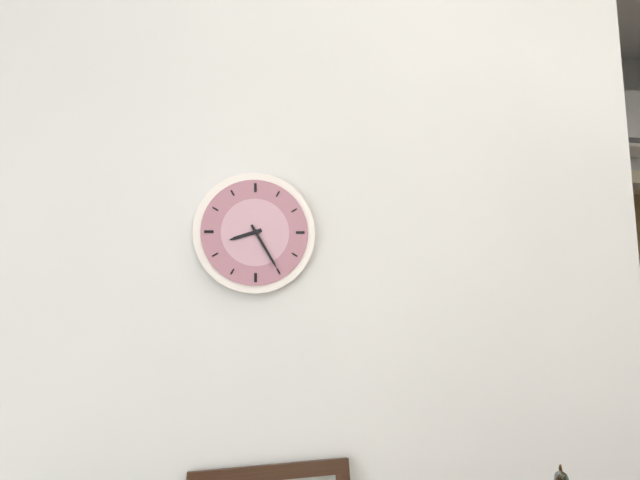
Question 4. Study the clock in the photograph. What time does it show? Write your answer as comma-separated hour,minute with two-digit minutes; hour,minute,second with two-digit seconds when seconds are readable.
8,25
